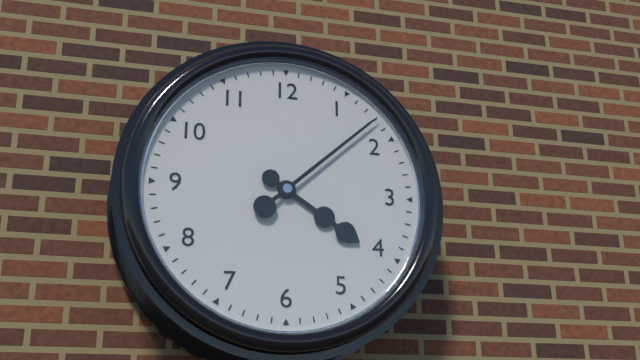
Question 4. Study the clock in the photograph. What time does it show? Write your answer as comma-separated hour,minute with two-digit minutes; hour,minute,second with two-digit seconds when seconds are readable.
4,08
